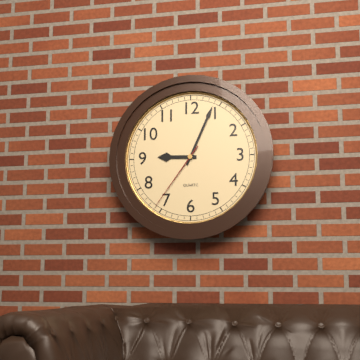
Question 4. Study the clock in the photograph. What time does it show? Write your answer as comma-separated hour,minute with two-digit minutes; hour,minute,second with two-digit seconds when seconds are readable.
9,04,36
